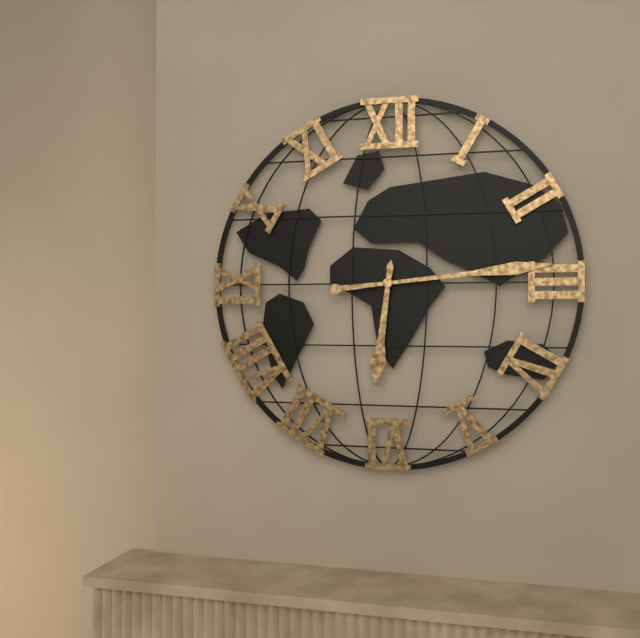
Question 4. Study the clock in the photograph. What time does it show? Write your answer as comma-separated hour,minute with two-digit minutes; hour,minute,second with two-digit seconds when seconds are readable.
6,14
